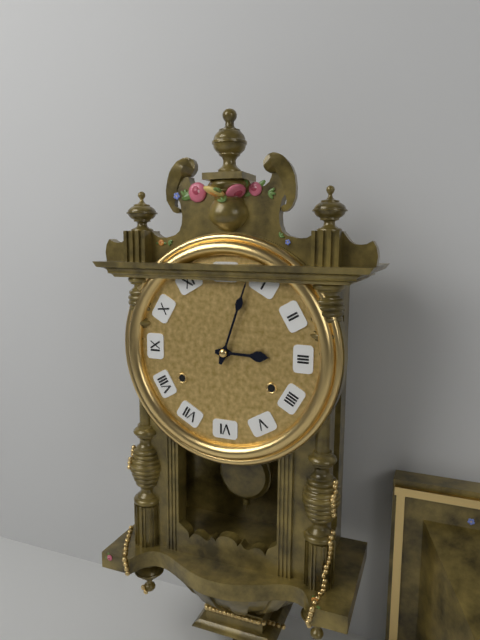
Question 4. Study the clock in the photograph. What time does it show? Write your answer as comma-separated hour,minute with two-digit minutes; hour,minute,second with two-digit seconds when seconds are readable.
3,03
